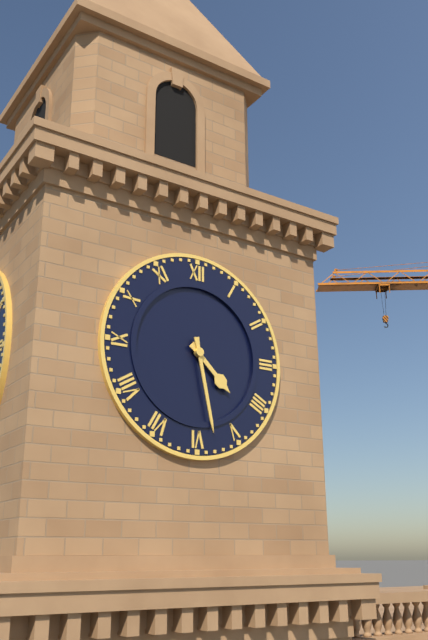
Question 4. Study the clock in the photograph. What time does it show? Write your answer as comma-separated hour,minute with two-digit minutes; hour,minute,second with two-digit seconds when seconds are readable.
4,28
